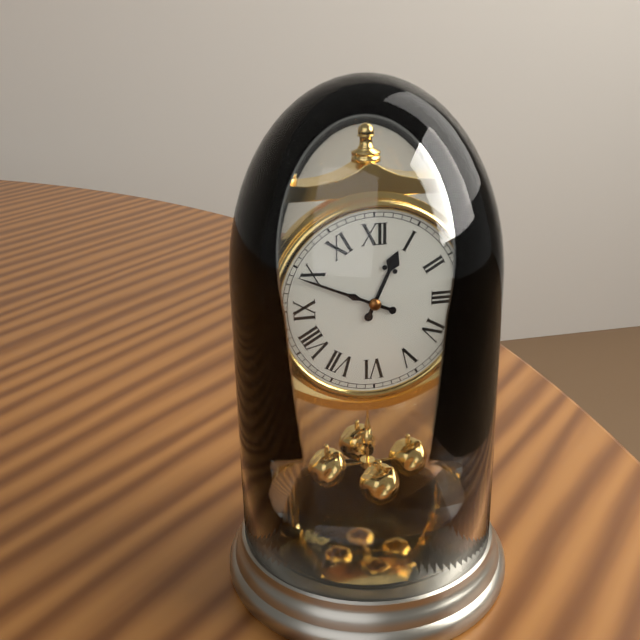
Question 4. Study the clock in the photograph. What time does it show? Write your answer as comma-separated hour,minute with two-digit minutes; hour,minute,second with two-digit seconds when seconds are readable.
12,49
